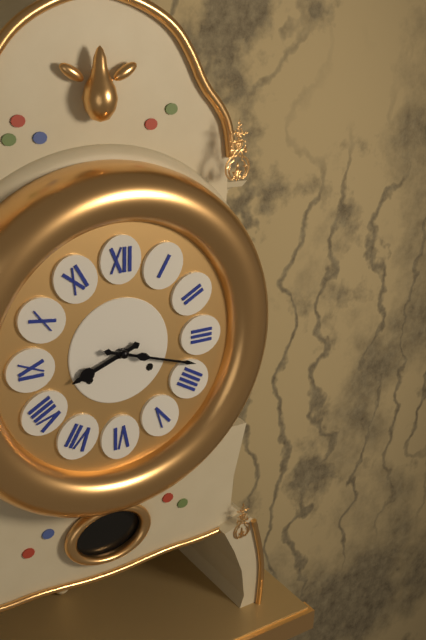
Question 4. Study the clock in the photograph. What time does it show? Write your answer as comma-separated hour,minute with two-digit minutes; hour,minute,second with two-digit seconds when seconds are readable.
8,18
